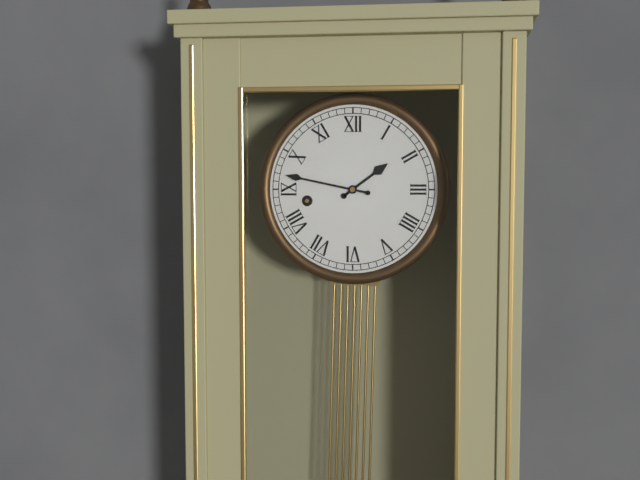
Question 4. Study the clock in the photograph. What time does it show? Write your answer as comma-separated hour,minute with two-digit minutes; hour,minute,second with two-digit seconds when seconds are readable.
1,47
